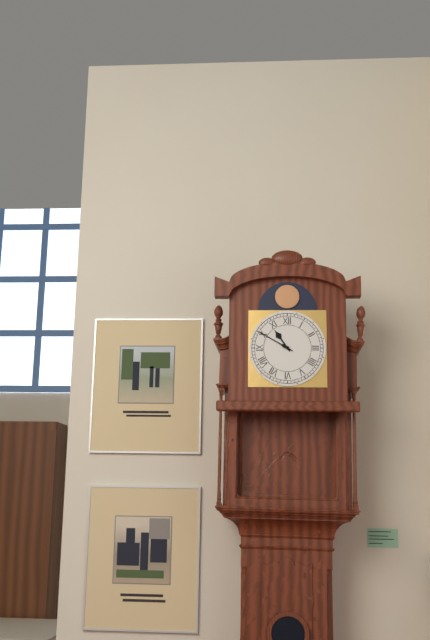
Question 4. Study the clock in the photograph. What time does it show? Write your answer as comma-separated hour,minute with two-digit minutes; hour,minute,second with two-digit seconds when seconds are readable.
10,50
